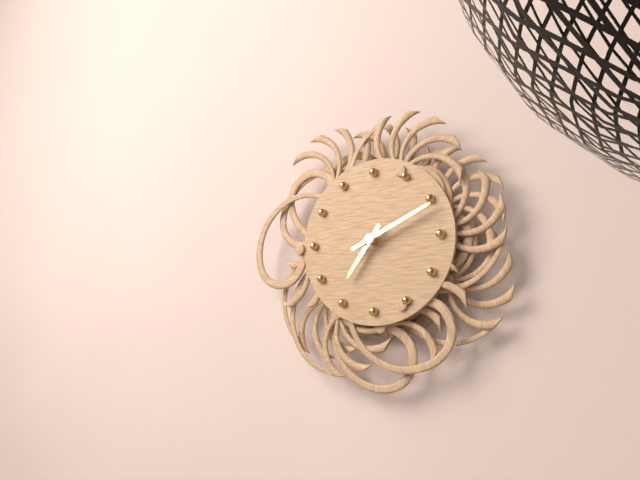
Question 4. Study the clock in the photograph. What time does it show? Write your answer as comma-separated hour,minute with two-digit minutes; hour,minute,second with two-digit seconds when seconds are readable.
7,11
